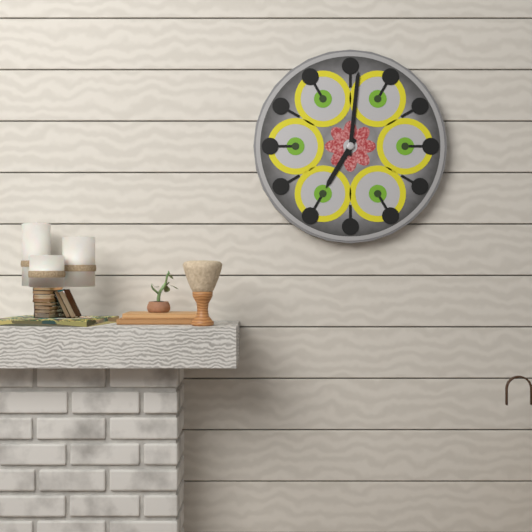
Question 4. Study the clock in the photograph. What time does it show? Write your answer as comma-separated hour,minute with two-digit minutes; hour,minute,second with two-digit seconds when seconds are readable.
7,01
